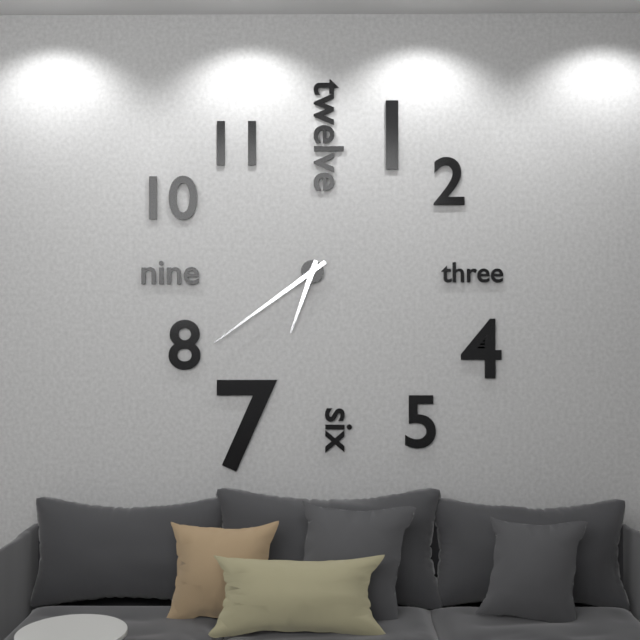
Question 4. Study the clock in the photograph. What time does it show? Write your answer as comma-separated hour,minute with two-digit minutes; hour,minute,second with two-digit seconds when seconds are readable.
6,39
